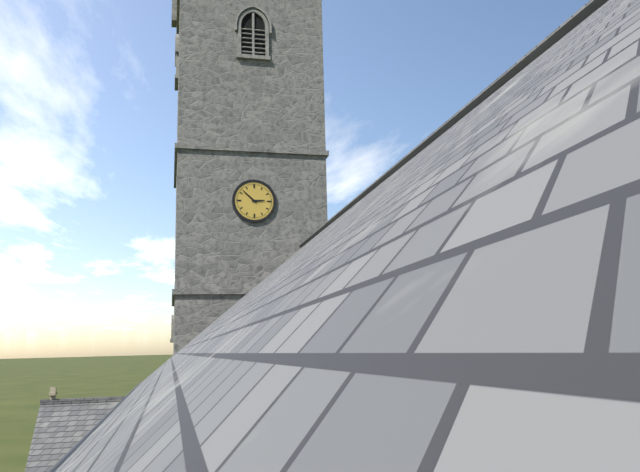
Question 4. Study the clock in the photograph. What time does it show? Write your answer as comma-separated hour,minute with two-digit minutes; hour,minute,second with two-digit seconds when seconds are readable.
2,52
